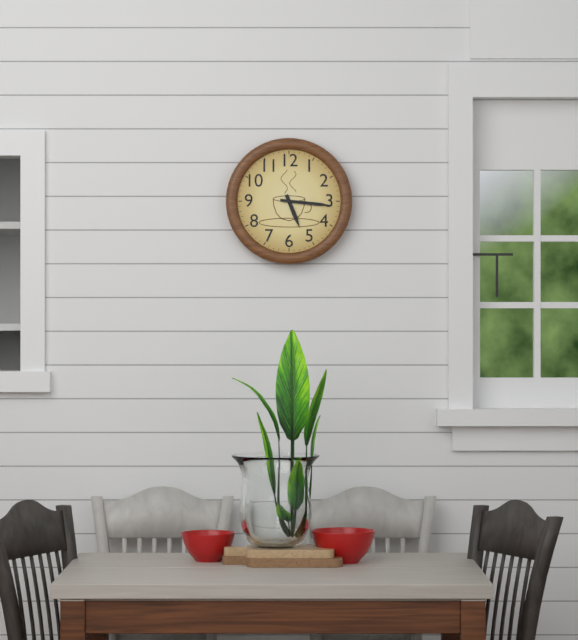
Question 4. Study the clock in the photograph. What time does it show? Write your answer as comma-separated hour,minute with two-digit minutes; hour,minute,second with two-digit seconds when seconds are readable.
5,16
